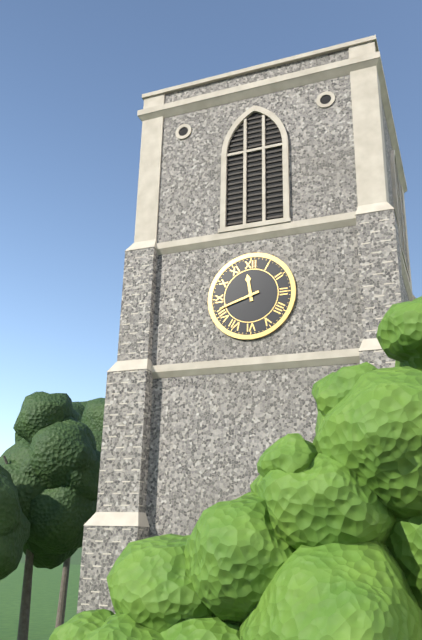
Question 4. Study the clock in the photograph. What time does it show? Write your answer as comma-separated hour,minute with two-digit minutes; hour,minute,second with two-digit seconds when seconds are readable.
11,42
